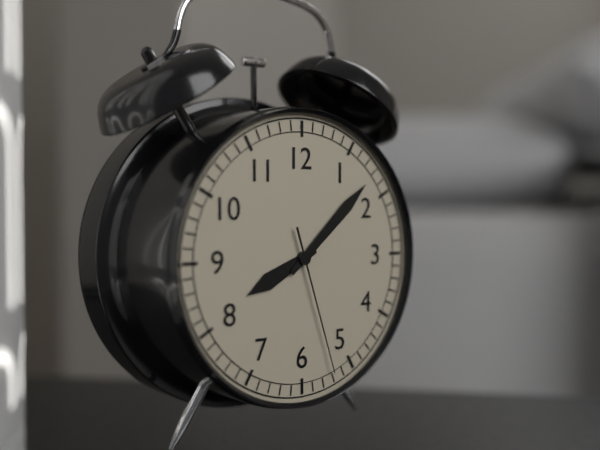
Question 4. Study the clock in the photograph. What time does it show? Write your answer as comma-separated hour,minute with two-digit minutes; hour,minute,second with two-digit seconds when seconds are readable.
8,08,27
